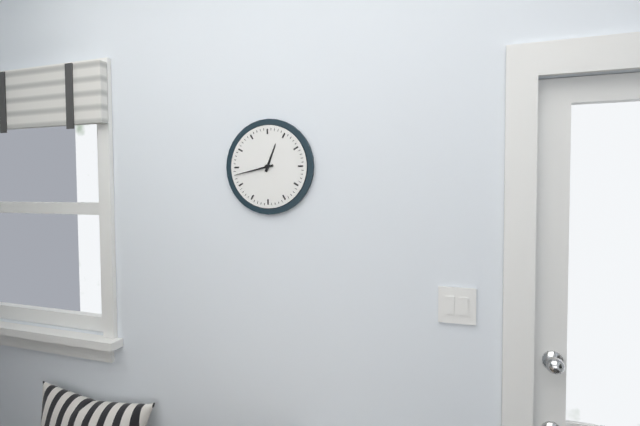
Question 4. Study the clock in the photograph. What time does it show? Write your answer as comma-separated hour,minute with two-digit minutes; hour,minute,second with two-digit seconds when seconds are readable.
12,43
